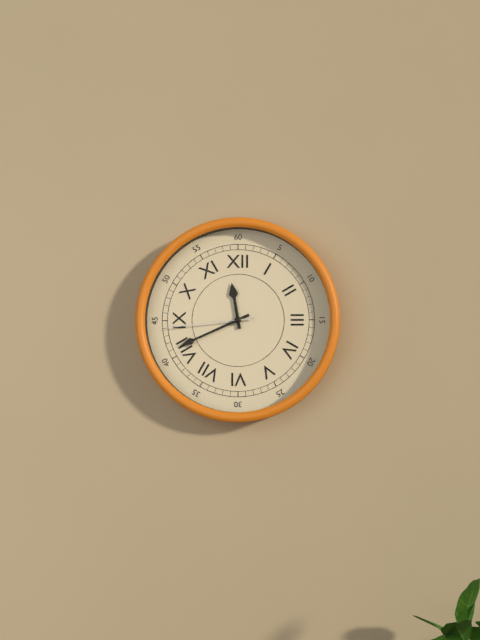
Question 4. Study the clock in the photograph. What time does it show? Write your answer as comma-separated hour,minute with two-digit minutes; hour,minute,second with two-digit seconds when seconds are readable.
11,41,44
